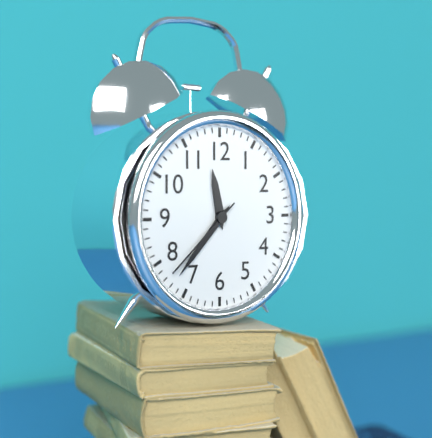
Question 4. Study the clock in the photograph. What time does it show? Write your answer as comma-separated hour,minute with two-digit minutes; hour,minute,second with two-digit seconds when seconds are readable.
11,37,38
